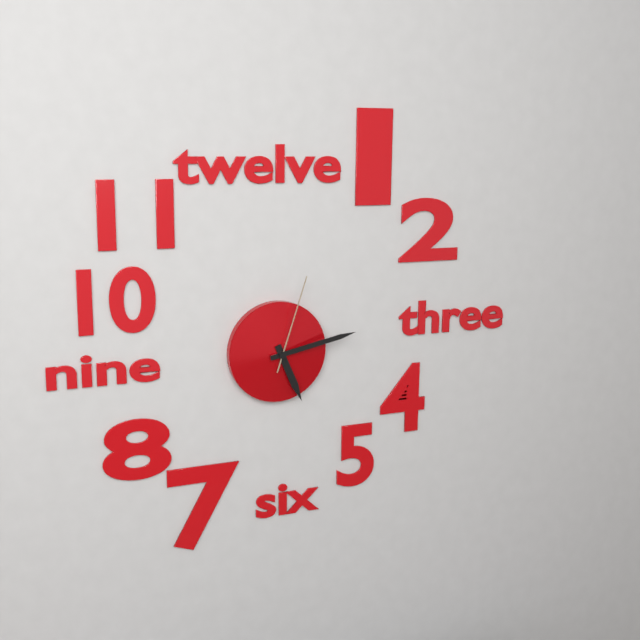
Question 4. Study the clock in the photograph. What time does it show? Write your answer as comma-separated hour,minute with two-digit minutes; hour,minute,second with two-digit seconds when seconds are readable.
5,13,03
